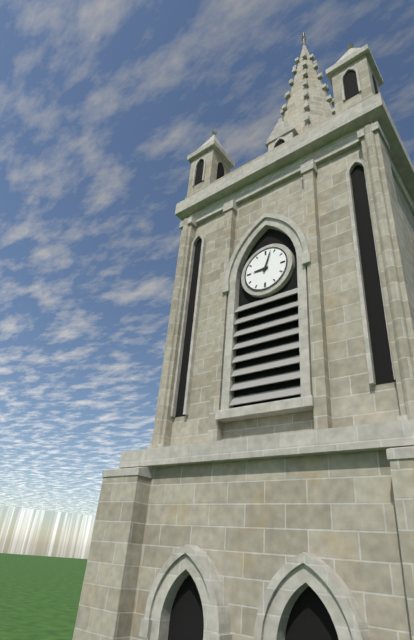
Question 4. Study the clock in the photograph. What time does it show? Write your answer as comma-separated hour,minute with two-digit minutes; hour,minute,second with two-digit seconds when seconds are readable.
9,03
